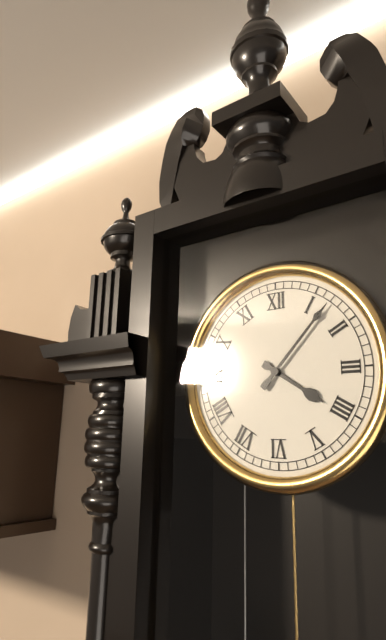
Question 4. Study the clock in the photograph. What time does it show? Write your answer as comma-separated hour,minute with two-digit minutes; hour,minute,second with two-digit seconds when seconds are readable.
4,07
